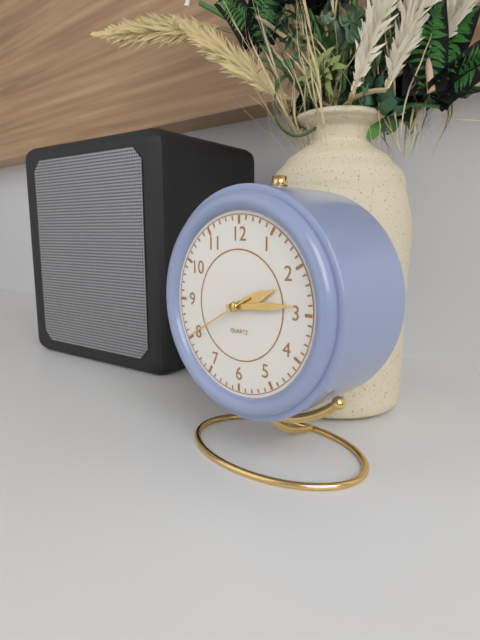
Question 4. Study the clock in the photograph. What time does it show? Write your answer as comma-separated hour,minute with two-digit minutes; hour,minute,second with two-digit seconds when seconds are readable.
2,14,40
